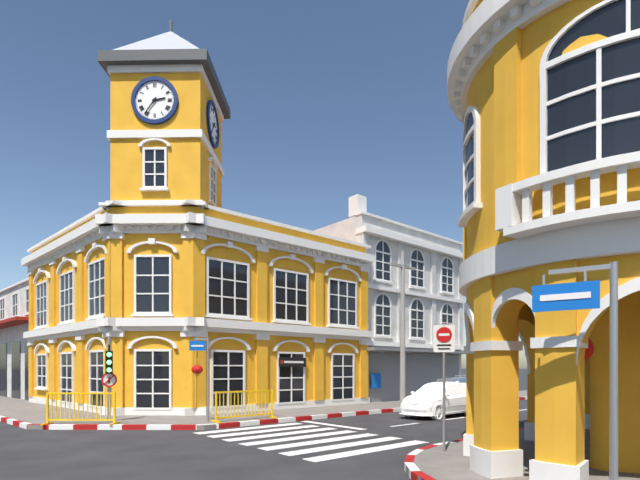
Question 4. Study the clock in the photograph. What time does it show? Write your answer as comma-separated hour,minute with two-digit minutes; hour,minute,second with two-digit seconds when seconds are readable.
2,36
